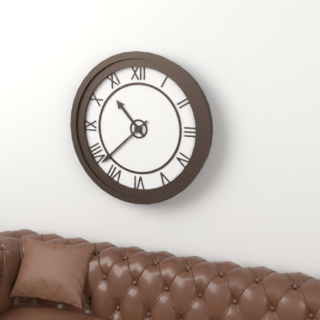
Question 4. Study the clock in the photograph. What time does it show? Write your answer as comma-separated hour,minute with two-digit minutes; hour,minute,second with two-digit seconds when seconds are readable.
10,38
